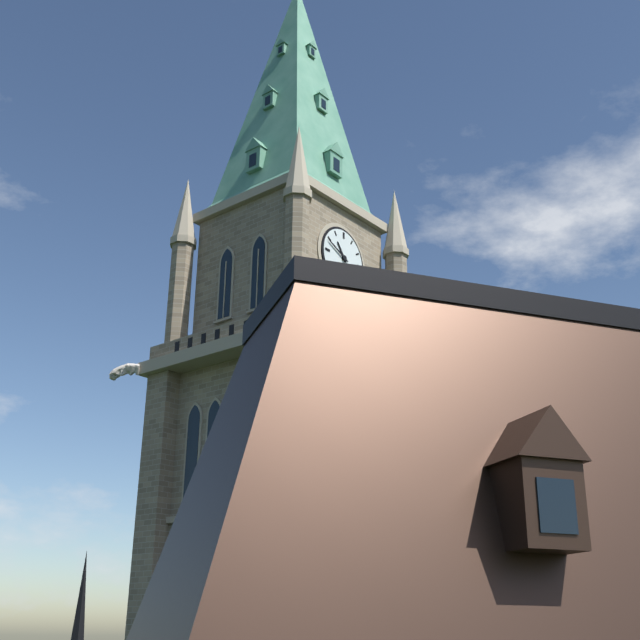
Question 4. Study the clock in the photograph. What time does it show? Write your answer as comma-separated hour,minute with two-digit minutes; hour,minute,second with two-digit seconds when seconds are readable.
10,49
